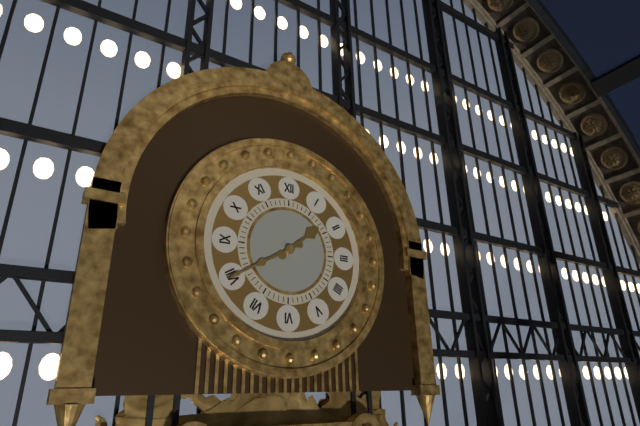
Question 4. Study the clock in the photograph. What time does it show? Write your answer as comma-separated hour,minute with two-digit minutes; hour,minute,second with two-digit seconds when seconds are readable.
1,40
